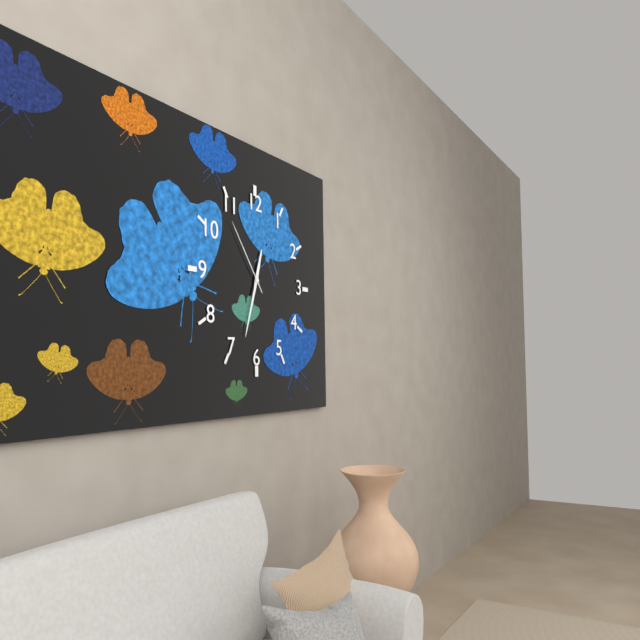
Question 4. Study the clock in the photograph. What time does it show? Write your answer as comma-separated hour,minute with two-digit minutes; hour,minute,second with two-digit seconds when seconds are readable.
12,33,54
